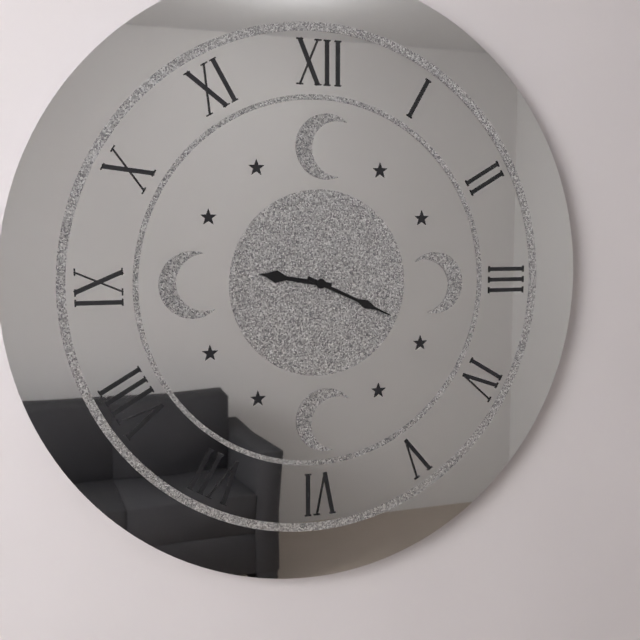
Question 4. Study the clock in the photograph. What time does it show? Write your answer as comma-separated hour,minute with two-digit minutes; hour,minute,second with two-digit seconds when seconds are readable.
9,19
